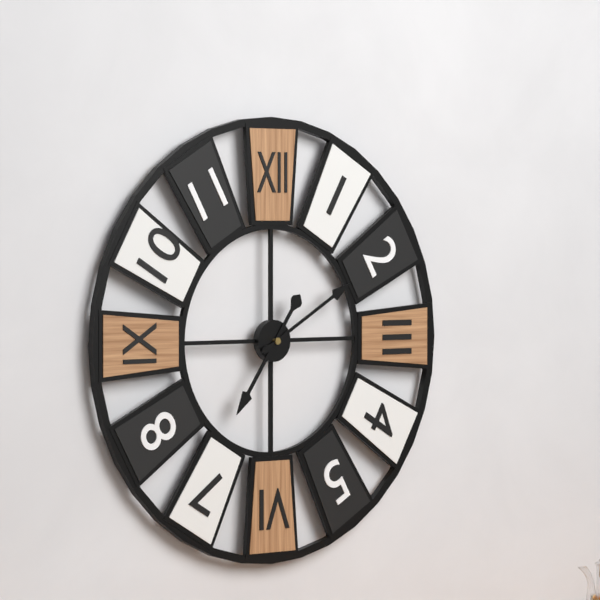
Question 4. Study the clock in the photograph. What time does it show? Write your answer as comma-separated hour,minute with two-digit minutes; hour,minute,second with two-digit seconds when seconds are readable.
7,10
